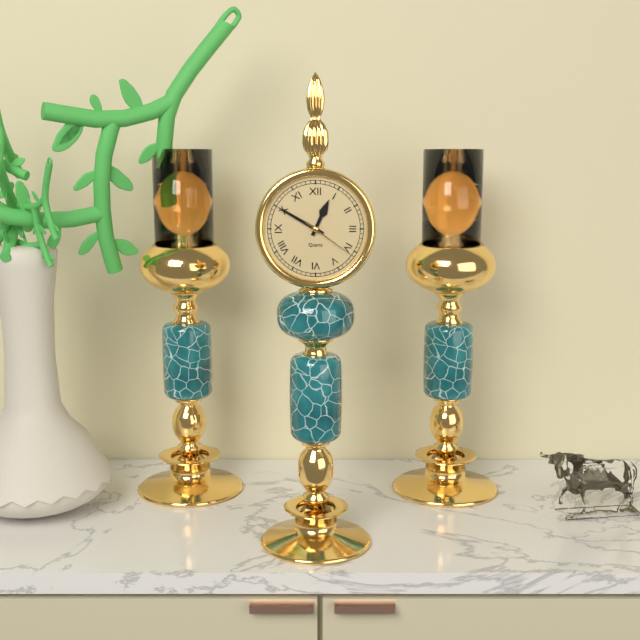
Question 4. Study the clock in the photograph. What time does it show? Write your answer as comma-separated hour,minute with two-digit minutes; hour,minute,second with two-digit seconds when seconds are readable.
12,50,21
